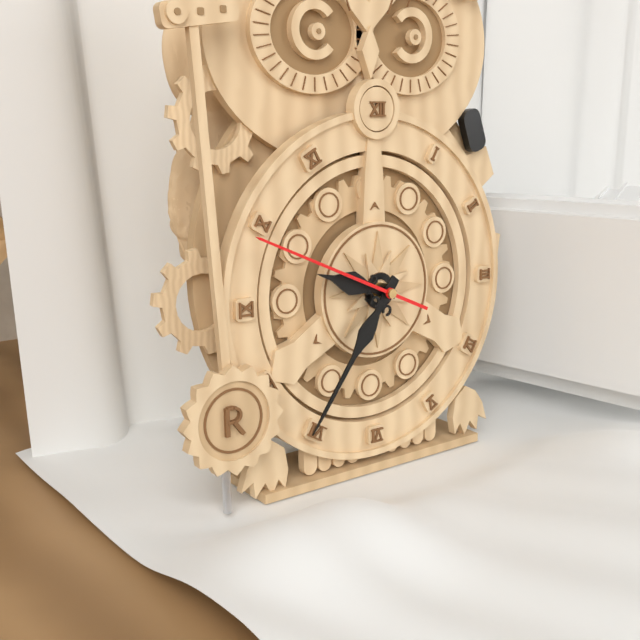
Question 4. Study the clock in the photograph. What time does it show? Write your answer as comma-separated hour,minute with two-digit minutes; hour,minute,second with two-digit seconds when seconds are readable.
9,36,49
